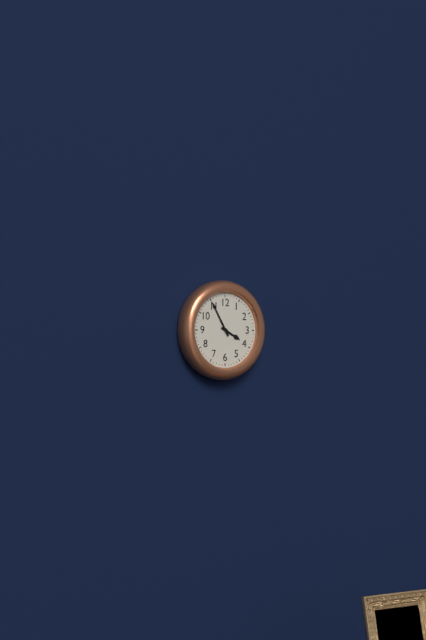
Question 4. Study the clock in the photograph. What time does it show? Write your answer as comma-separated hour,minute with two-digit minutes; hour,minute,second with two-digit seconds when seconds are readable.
3,55
